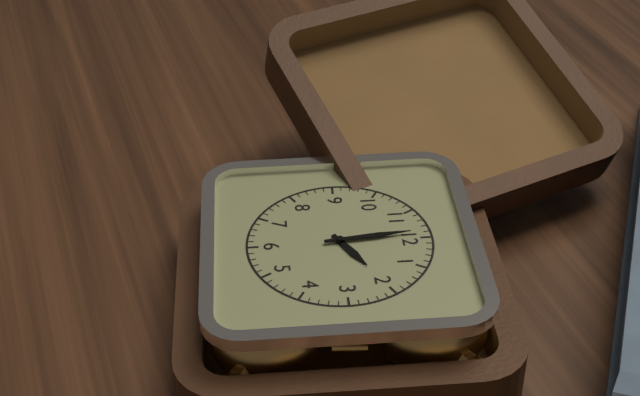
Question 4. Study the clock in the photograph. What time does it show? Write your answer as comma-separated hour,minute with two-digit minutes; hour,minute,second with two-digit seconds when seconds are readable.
1,59
